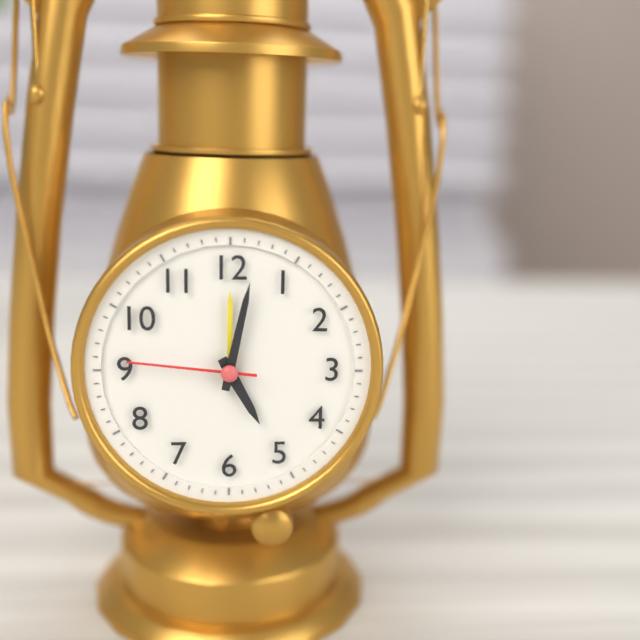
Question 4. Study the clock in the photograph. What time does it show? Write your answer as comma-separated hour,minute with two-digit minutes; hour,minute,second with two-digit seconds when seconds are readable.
5,02,46
